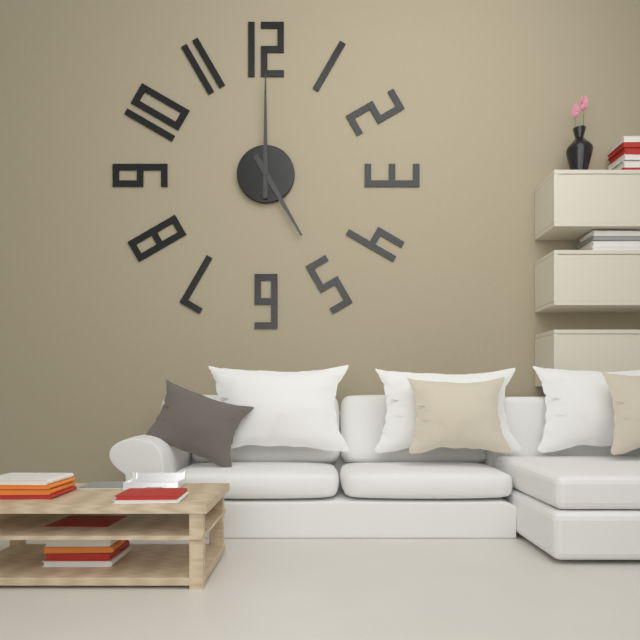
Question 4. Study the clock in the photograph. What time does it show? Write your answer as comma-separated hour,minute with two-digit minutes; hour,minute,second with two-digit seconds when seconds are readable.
5,00
